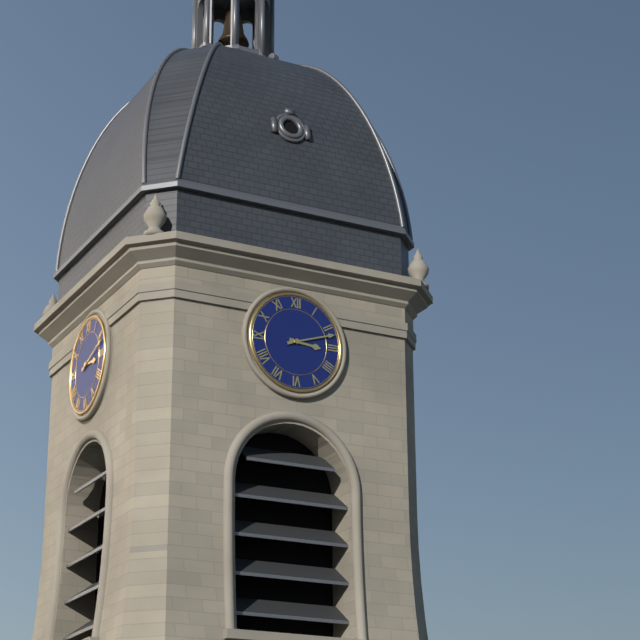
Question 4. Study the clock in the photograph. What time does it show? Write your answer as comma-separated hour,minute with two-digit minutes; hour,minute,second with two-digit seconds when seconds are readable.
3,12
